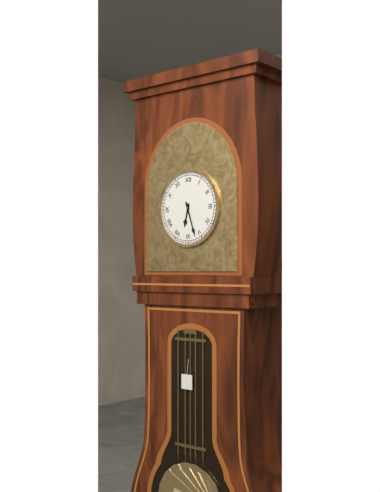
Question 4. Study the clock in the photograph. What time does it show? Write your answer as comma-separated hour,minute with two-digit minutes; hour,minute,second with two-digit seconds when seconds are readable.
6,27
